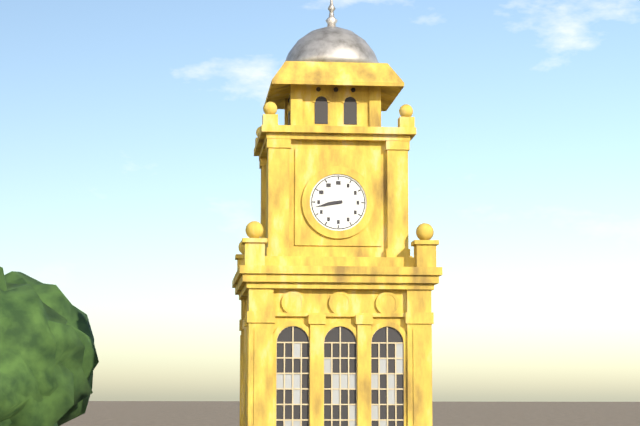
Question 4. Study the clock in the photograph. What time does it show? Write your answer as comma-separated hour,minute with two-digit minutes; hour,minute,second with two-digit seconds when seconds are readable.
8,43
